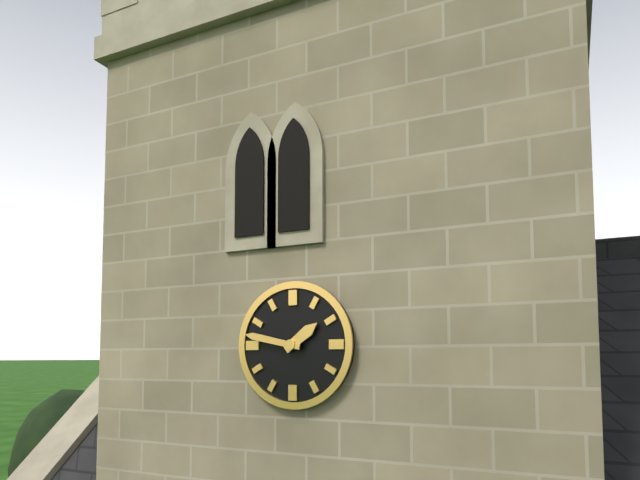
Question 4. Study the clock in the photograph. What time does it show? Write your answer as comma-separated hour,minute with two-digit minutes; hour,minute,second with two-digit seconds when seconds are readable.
1,47
